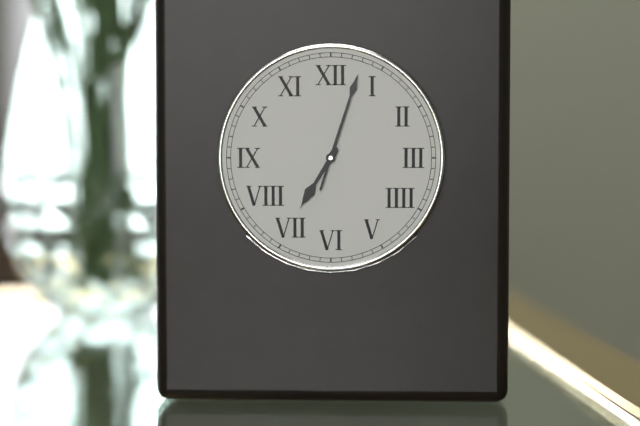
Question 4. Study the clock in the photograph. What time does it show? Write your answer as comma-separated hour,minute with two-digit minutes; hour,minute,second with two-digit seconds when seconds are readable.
7,03
